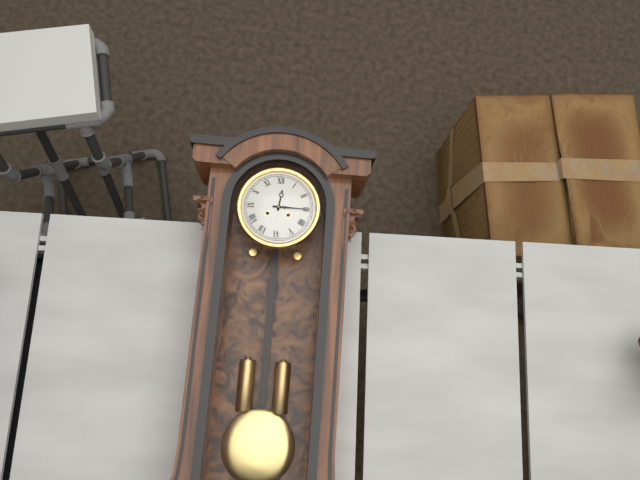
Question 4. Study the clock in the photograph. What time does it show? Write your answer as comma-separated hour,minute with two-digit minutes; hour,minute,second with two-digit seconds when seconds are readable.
12,15
